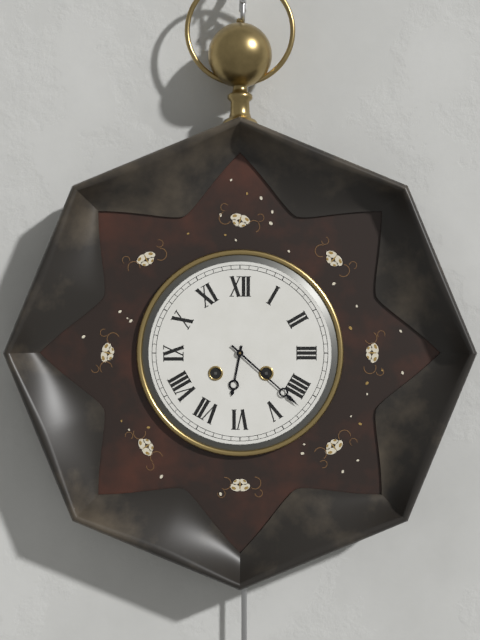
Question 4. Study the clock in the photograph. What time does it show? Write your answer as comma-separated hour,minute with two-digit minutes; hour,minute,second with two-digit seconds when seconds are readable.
6,22
